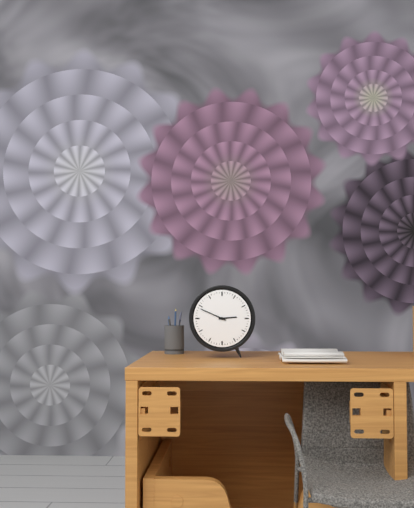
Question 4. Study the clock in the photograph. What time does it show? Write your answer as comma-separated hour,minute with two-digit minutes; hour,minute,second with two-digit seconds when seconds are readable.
2,49
